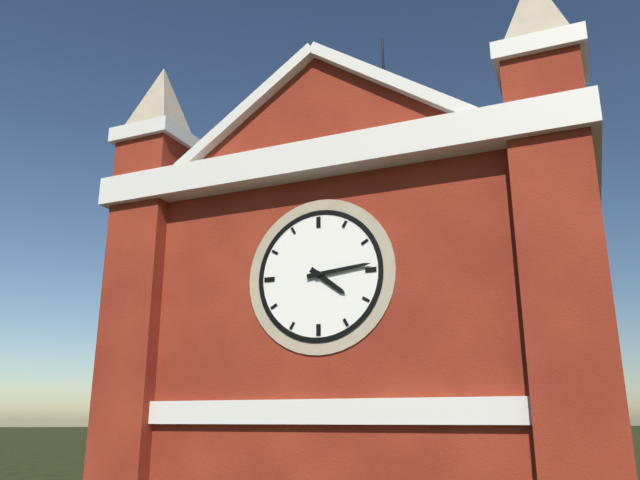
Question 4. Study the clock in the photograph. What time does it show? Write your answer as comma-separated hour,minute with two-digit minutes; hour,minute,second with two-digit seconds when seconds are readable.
4,14
